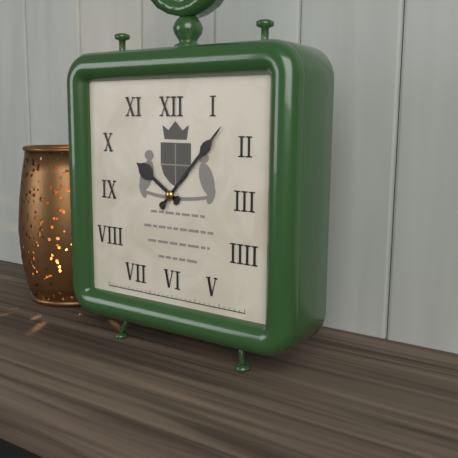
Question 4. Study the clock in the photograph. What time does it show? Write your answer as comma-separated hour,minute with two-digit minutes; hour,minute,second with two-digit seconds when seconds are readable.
10,07
